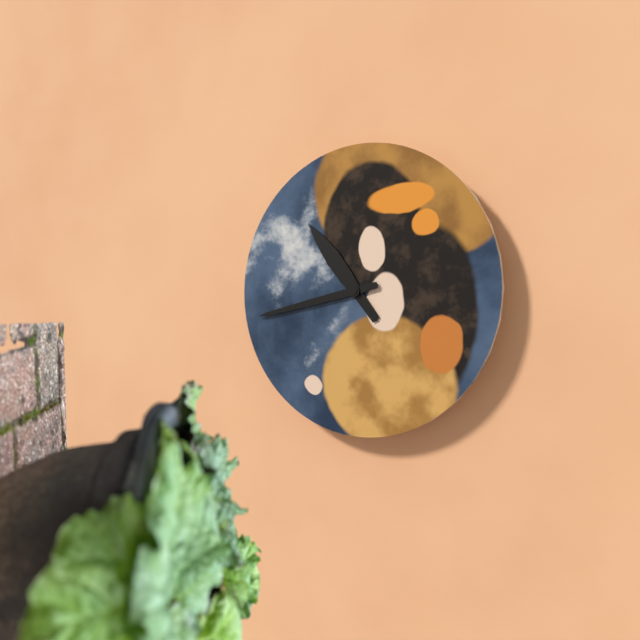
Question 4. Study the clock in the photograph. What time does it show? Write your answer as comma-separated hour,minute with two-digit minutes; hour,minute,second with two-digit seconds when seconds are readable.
10,43
